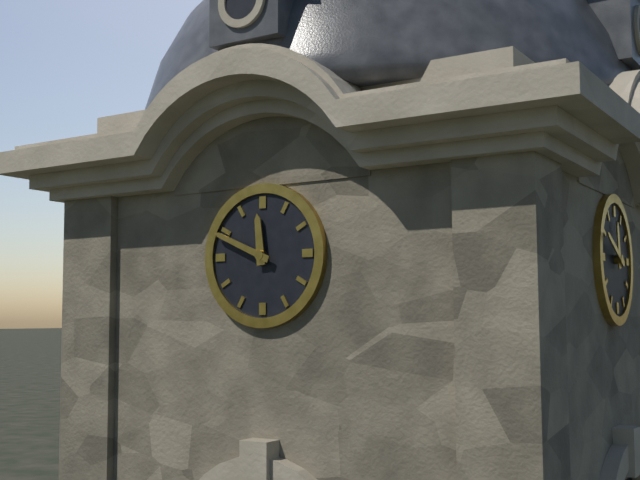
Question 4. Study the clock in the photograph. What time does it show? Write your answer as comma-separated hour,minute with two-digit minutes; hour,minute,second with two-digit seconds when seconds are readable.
11,49
